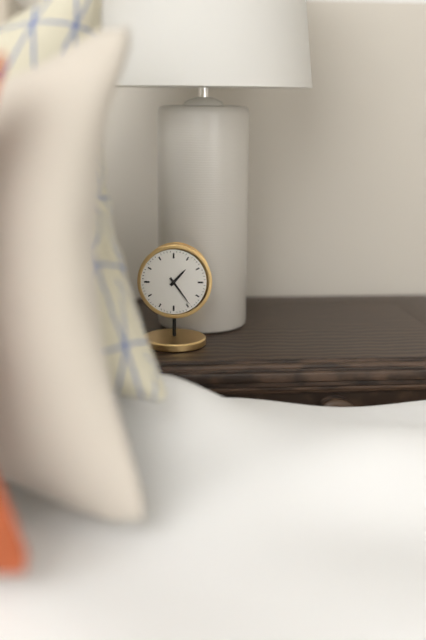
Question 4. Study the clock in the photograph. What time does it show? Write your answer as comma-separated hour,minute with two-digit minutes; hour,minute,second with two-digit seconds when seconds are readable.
1,24
